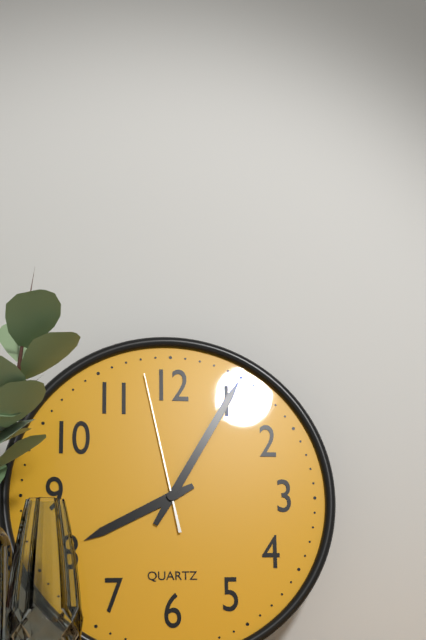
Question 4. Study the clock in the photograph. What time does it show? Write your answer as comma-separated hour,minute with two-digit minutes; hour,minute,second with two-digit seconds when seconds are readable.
8,05,58
